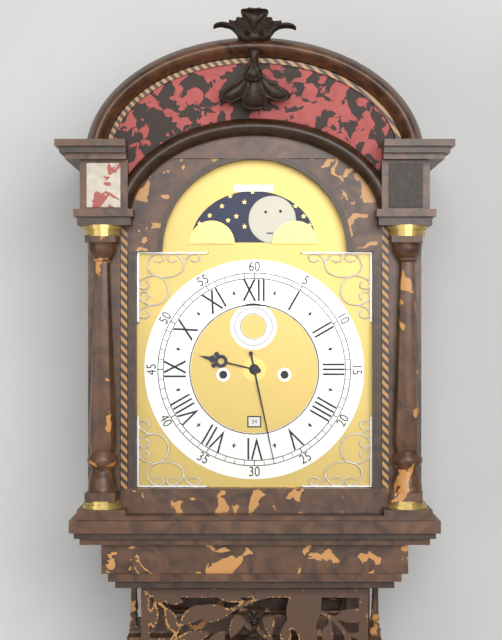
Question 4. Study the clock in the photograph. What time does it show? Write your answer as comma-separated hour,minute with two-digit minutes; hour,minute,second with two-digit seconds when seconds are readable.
9,28
